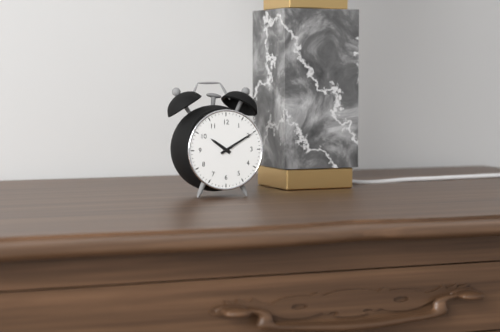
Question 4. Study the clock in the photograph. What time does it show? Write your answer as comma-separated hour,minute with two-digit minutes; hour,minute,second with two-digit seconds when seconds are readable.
10,10
